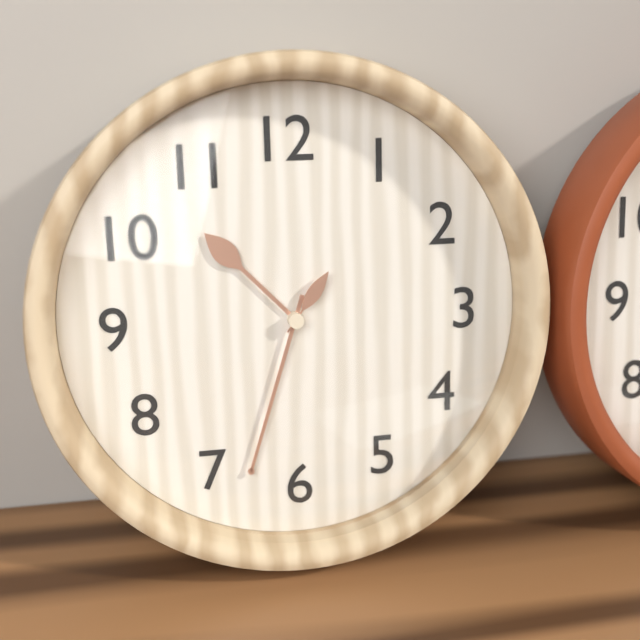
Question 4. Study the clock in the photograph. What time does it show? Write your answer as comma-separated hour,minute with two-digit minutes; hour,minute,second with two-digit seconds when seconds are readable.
10,33,06
